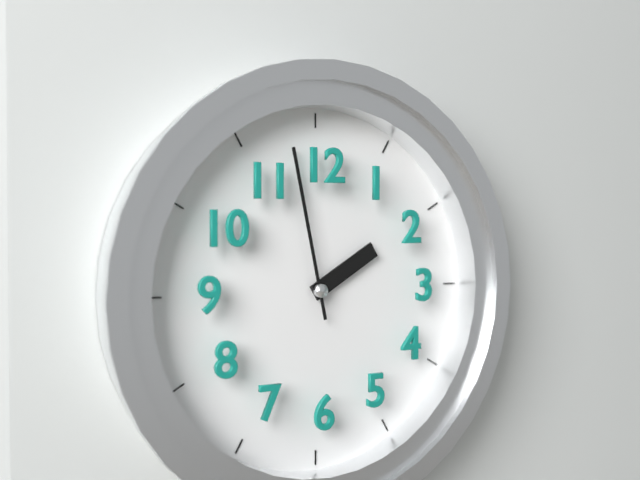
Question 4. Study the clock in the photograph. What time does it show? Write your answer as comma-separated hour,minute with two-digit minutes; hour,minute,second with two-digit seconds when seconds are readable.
1,58
